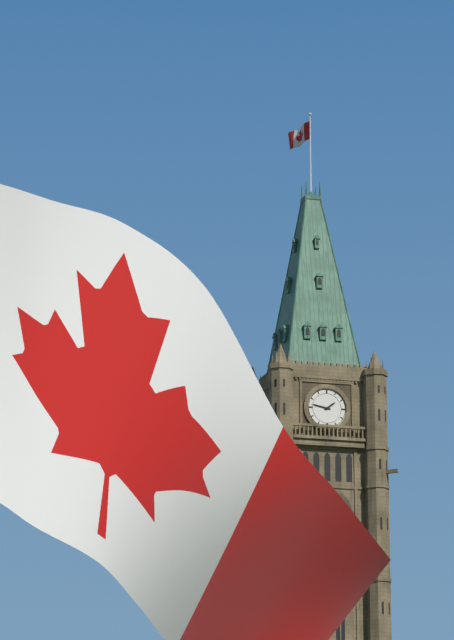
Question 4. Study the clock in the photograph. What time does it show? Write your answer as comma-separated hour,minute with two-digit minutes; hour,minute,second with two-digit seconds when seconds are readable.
1,47
